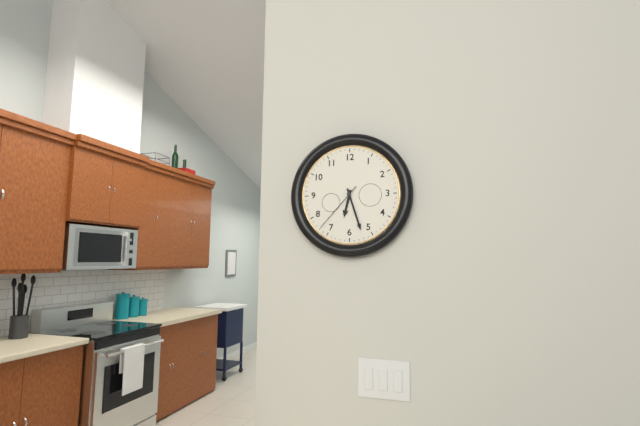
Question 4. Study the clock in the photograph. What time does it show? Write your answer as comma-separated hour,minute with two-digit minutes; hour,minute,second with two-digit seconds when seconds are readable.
6,27,37
